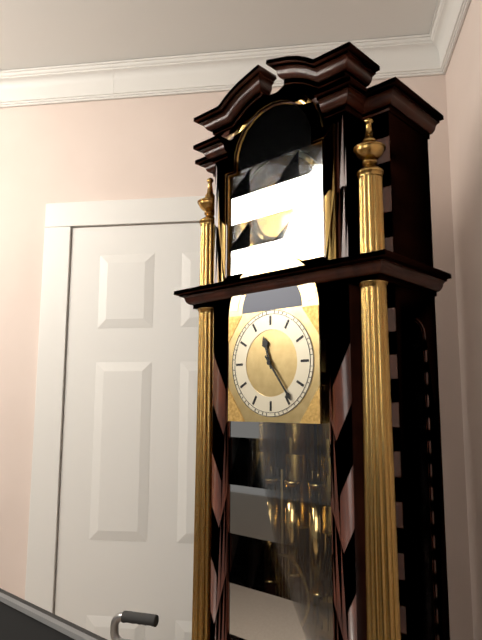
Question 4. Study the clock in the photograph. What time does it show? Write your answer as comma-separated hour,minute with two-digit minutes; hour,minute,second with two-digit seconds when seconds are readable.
11,24
